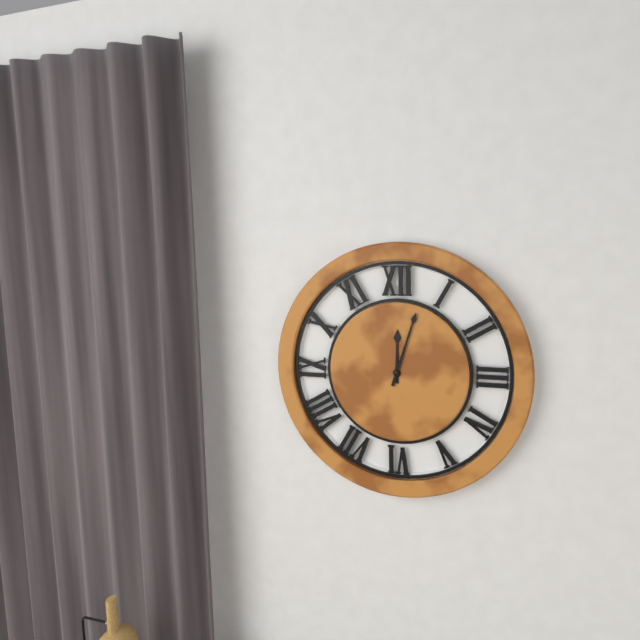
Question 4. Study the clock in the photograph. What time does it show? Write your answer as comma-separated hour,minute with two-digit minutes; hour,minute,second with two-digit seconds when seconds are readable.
12,03
